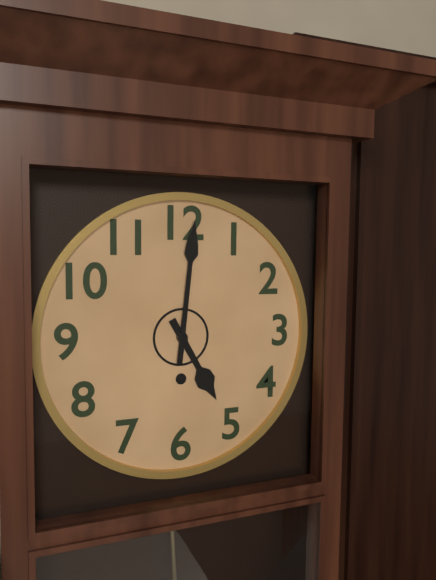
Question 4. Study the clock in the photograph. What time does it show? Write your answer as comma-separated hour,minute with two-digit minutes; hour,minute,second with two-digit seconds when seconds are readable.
5,01
